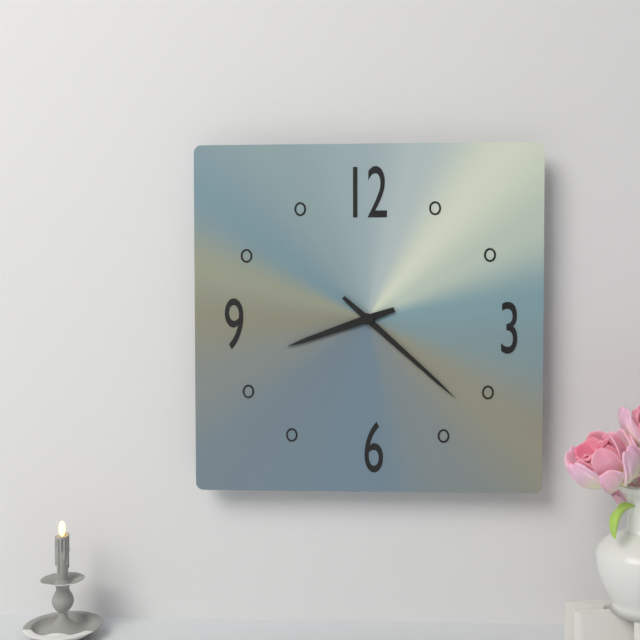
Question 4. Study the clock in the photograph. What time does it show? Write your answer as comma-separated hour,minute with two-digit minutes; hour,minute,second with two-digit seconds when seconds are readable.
8,22
